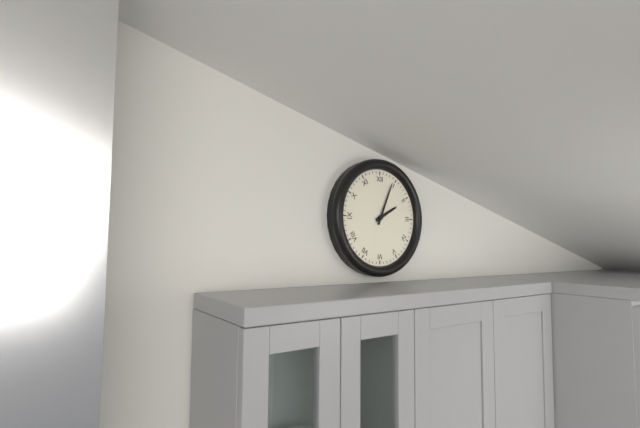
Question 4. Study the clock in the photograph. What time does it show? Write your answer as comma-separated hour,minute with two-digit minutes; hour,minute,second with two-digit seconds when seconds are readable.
2,04
